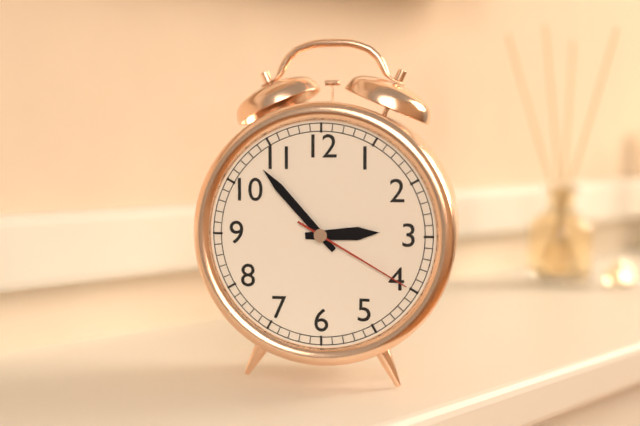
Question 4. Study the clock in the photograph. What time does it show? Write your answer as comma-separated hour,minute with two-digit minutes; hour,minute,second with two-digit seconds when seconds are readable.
2,53,20
